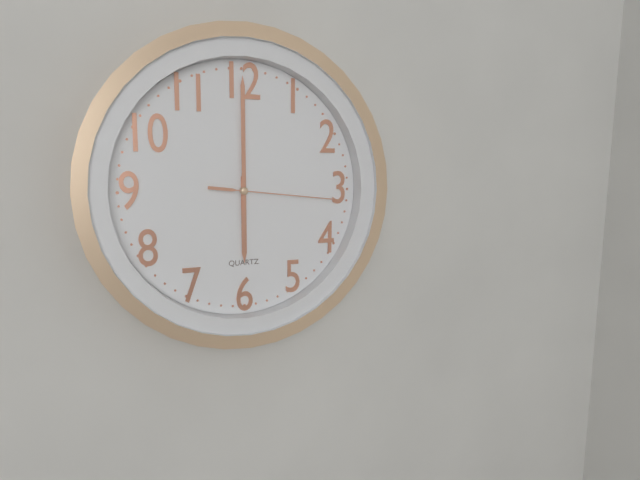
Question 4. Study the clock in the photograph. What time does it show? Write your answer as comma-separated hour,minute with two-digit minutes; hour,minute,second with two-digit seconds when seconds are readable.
6,00,16
